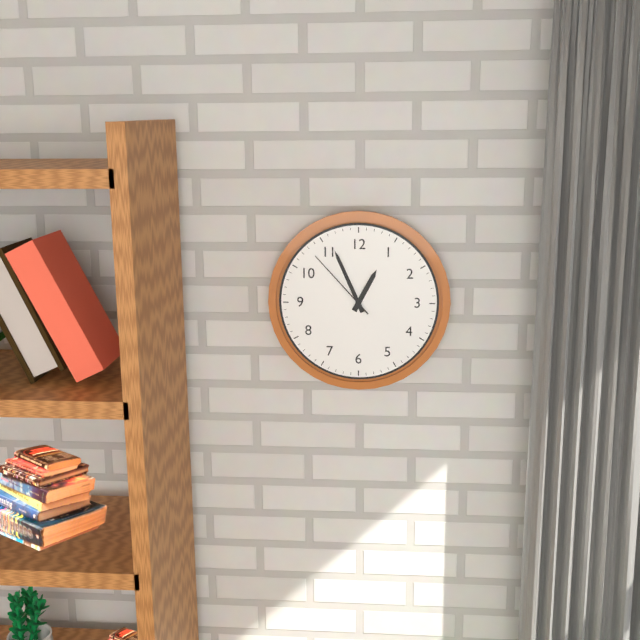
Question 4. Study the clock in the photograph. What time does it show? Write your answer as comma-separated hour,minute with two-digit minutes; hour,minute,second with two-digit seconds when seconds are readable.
12,56,53
